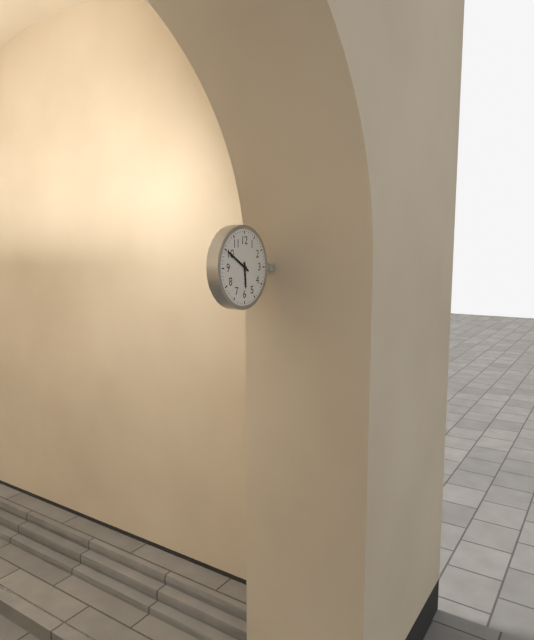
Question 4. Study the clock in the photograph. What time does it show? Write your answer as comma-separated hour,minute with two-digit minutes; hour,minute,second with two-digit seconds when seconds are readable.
5,50
